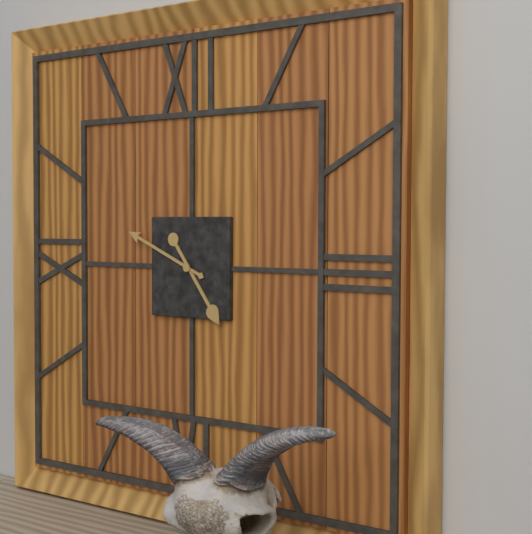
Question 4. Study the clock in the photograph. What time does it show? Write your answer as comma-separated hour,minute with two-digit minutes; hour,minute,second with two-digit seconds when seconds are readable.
4,49
